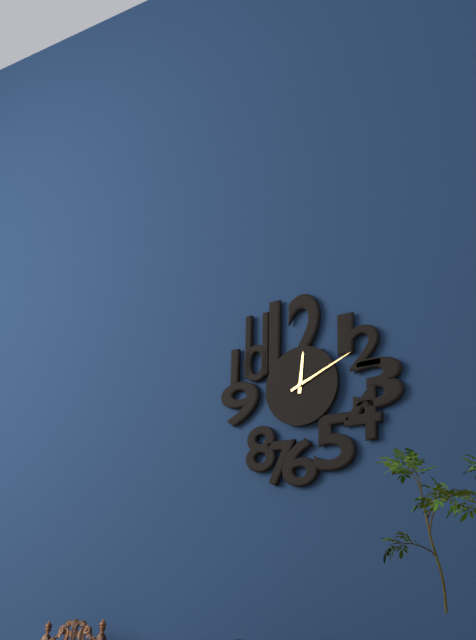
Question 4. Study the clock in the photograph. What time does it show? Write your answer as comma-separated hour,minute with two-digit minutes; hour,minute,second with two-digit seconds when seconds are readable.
12,11
